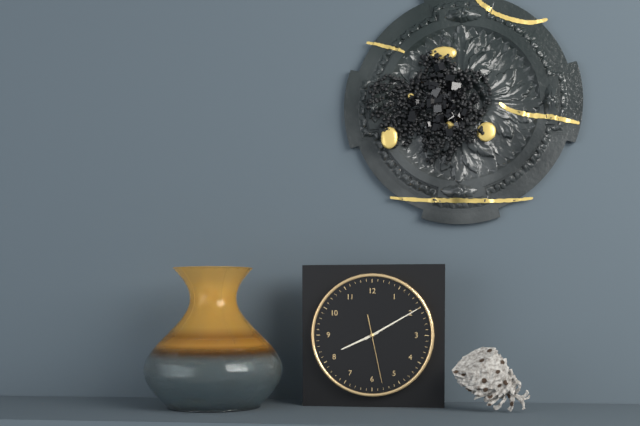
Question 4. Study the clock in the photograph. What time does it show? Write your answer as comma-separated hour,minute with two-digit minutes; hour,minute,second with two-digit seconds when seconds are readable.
8,10,28
